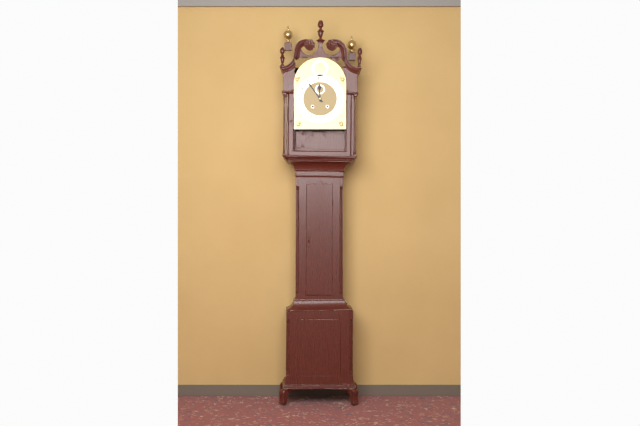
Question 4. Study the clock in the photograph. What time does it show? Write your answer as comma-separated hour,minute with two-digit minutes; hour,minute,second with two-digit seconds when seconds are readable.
11,54
